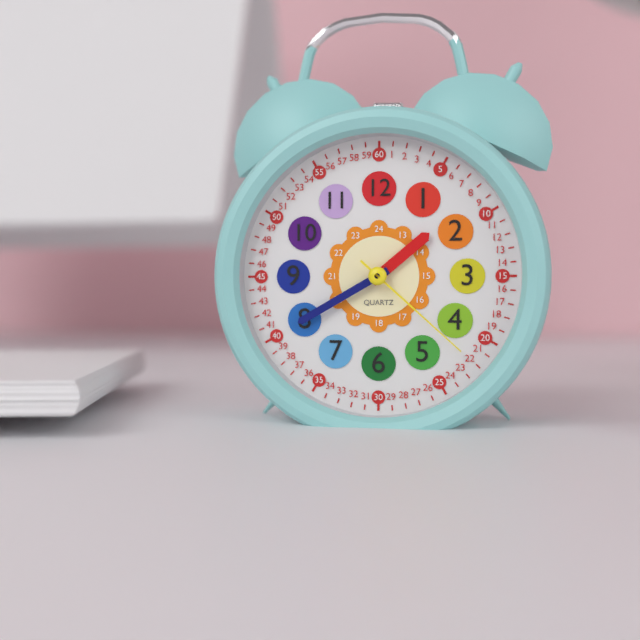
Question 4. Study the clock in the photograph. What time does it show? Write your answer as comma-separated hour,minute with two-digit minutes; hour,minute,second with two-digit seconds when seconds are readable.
1,40,22
